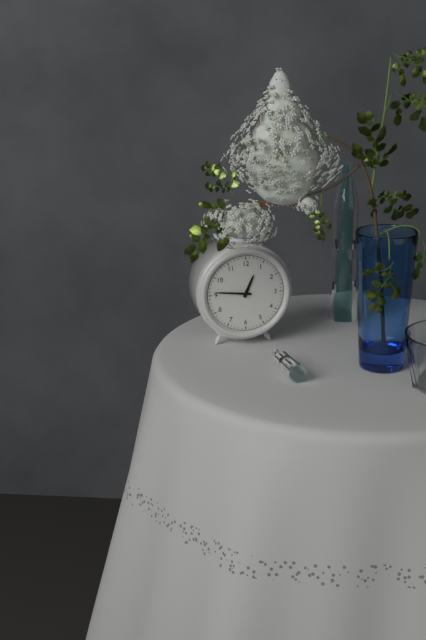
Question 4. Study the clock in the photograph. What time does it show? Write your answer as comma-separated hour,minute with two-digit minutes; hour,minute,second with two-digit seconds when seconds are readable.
12,46
